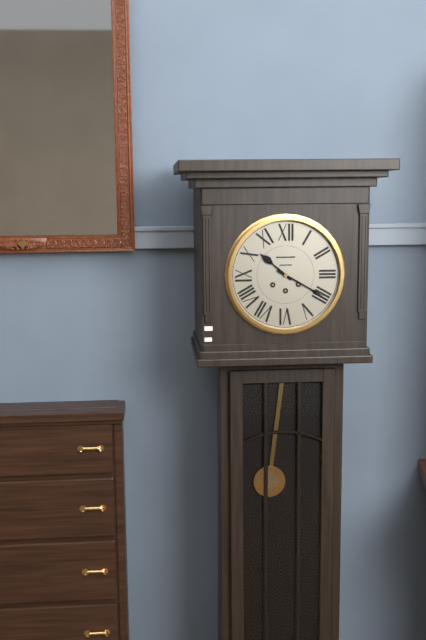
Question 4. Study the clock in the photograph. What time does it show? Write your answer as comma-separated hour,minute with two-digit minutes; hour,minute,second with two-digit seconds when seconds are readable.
10,20
